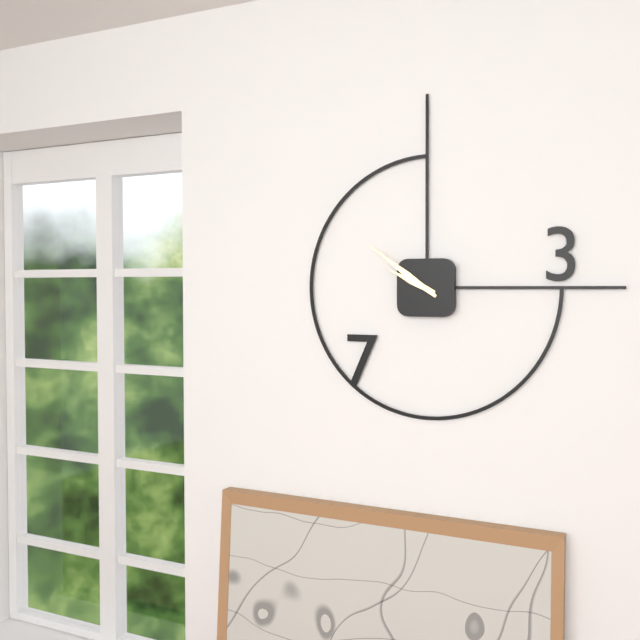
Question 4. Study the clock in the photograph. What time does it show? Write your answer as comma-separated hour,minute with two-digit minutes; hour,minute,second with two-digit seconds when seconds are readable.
9,51
